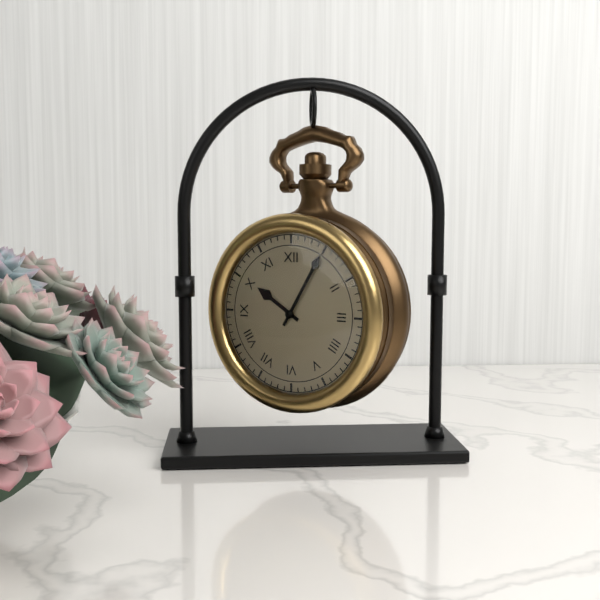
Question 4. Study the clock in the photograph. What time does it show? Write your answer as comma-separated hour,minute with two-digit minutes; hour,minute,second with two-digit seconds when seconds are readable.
10,05
